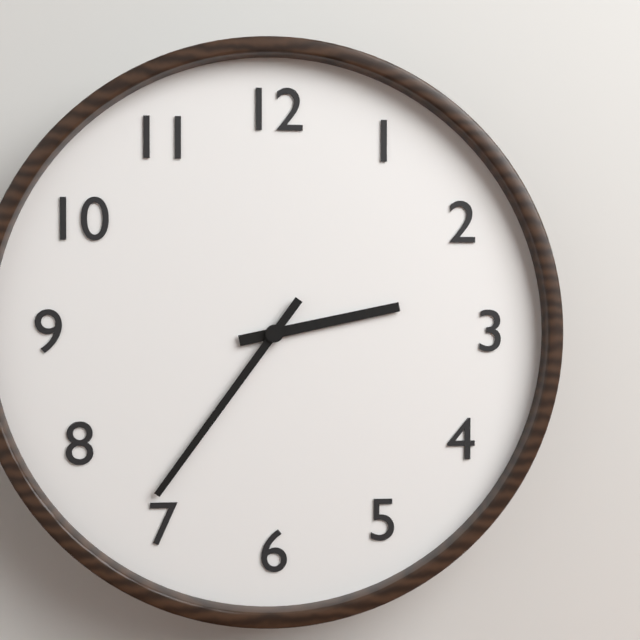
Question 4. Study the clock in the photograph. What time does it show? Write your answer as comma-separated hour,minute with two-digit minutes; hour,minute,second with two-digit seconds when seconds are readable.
2,36
